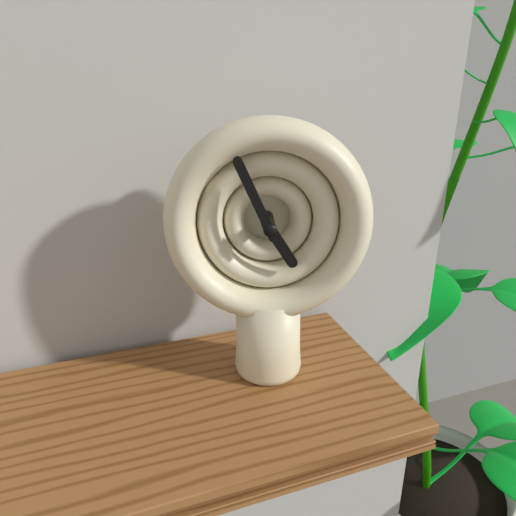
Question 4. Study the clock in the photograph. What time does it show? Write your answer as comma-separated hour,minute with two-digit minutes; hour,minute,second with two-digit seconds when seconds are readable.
4,56
